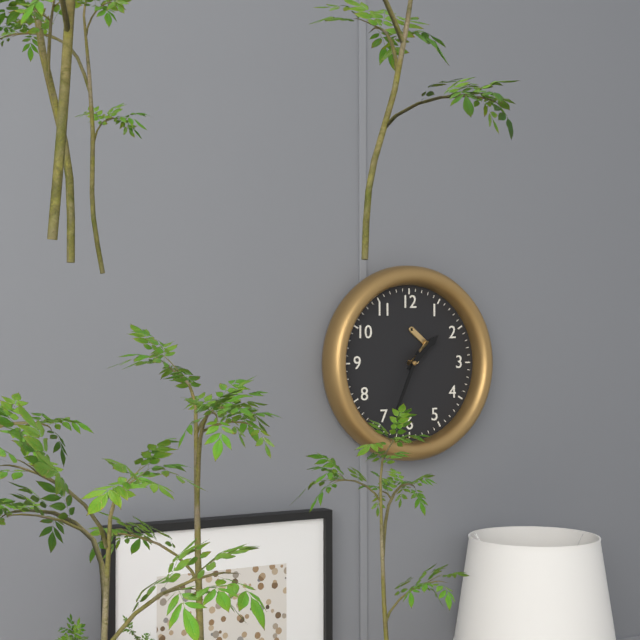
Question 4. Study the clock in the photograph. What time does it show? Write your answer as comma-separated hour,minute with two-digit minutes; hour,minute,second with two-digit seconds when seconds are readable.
1,34
